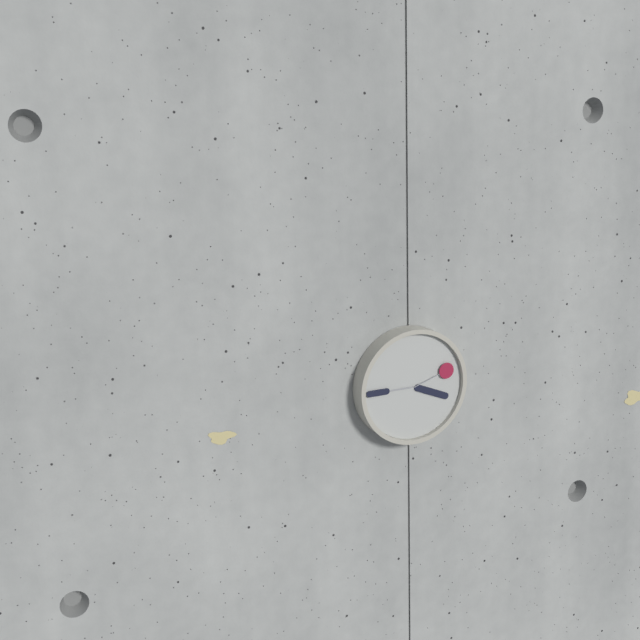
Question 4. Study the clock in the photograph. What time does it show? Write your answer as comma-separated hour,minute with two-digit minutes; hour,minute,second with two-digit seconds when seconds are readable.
3,45,12
